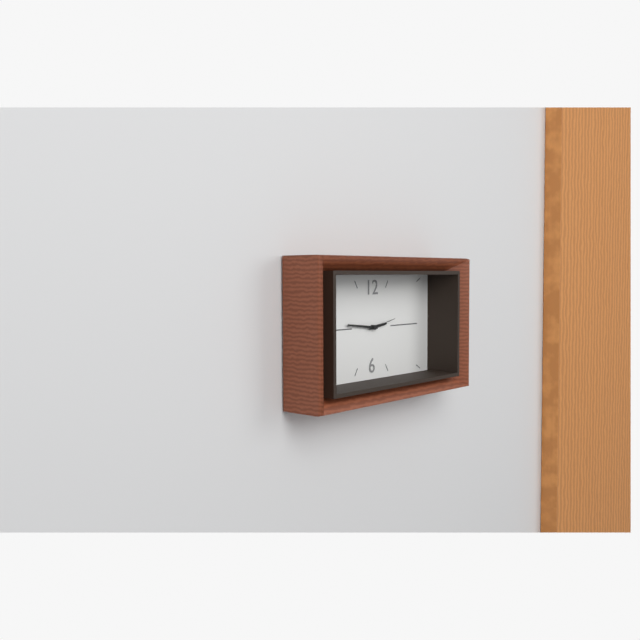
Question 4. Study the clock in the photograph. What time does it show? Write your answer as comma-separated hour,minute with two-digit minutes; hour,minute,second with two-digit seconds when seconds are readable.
2,46
